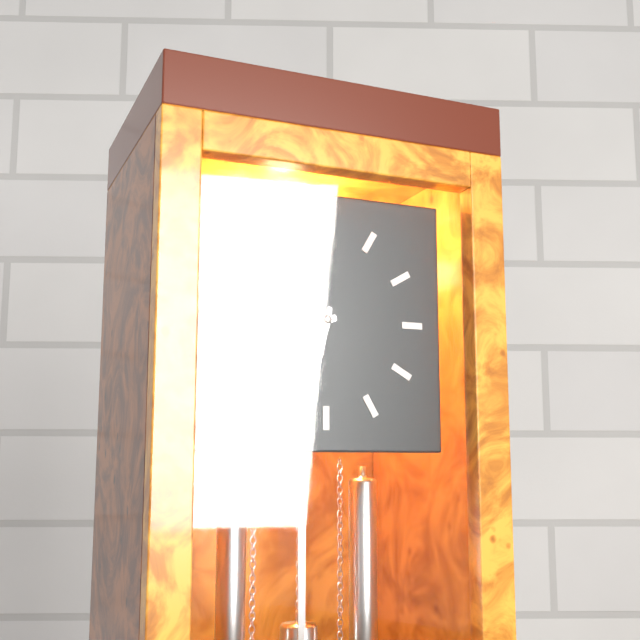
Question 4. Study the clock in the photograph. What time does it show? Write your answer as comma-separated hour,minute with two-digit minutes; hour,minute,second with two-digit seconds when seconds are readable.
8,32
